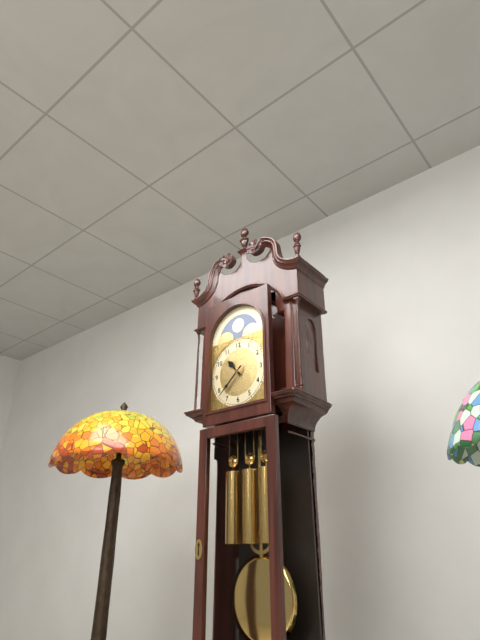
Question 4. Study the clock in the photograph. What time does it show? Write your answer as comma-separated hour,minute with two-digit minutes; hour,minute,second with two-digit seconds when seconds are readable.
10,38
